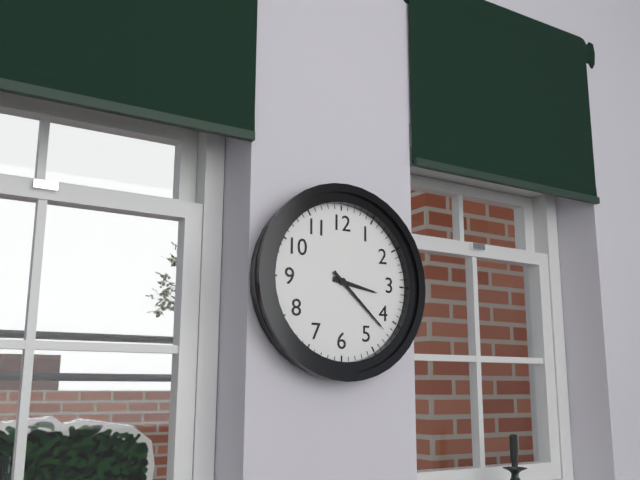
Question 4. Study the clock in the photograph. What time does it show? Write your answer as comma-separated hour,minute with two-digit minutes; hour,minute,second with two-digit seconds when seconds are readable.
3,22
